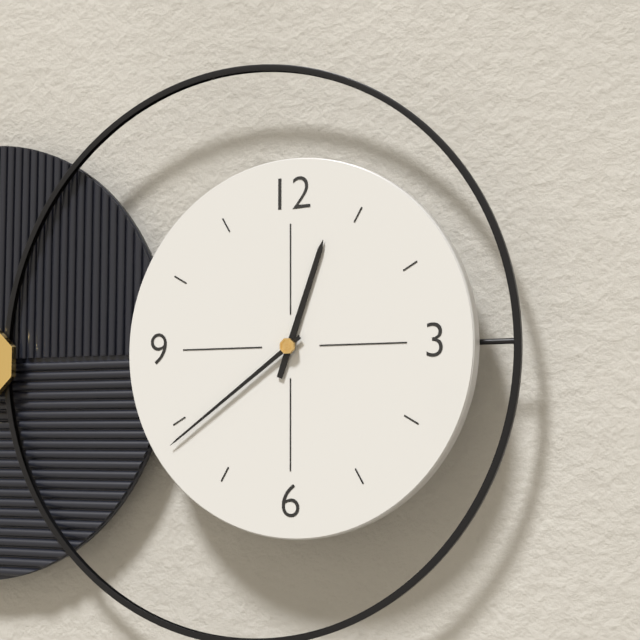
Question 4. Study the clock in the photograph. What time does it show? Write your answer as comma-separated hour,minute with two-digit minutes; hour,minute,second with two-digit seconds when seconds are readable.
12,39
